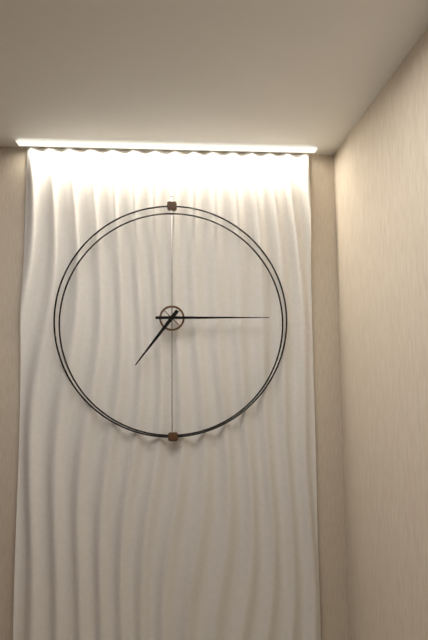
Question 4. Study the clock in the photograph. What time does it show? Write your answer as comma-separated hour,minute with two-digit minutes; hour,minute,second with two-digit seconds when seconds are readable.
7,15
